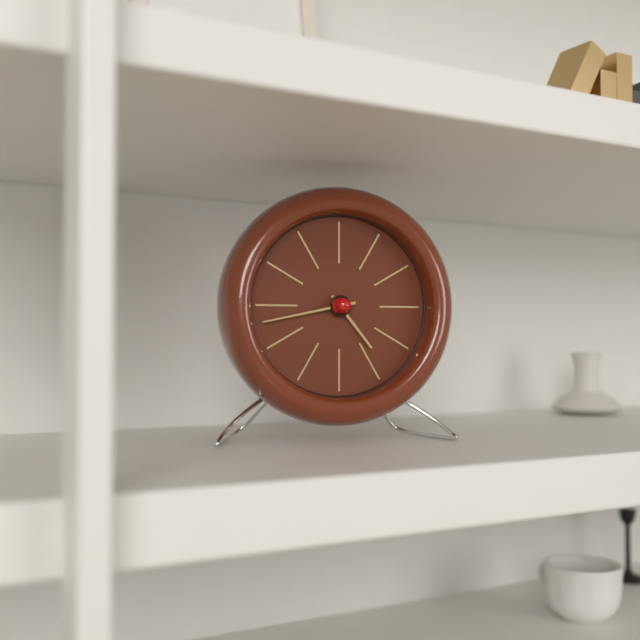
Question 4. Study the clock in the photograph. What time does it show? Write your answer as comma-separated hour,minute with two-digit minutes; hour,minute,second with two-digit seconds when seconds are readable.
4,43
